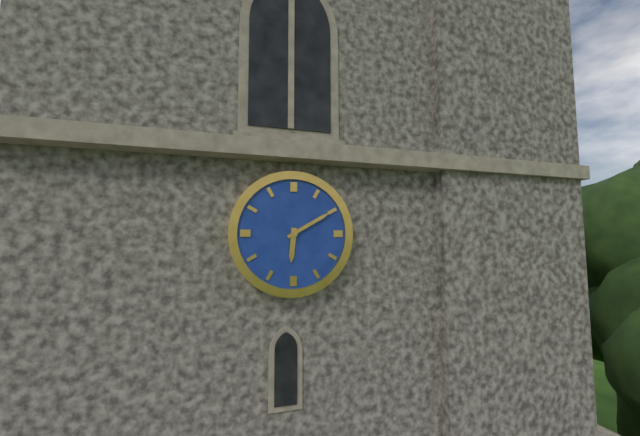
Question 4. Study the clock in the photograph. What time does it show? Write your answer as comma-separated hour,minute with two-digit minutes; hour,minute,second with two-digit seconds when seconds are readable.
6,10
